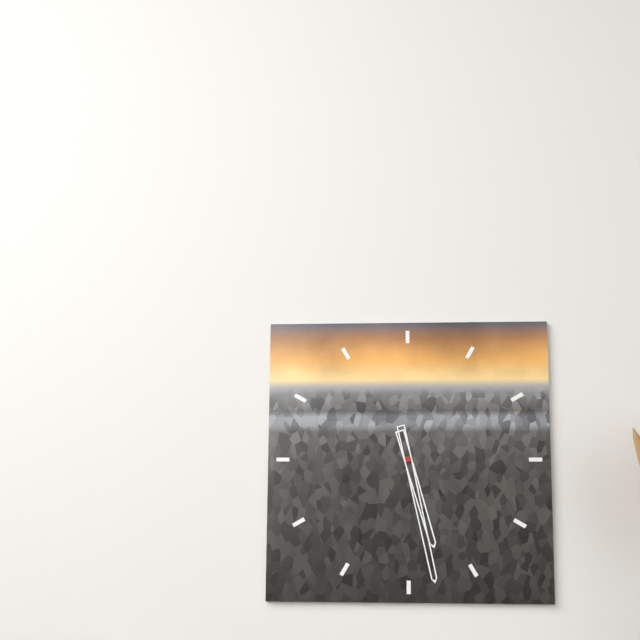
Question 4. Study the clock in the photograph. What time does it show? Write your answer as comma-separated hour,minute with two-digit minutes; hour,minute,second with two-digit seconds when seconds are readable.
5,28
